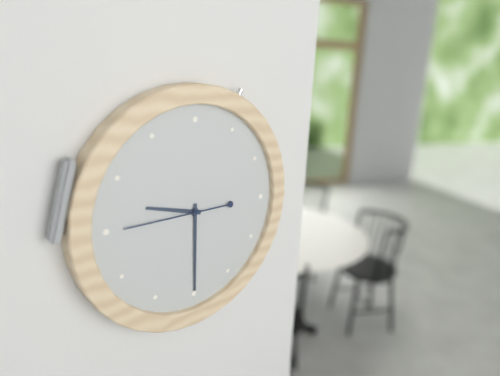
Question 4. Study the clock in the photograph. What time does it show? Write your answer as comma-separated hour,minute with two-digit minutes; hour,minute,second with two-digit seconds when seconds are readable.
9,30,45
